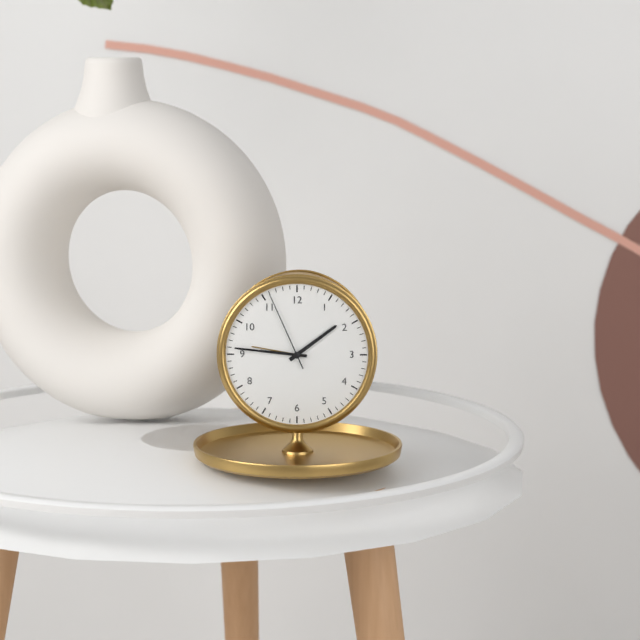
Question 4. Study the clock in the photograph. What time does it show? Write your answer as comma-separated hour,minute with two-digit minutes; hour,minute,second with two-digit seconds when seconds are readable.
1,46,56
